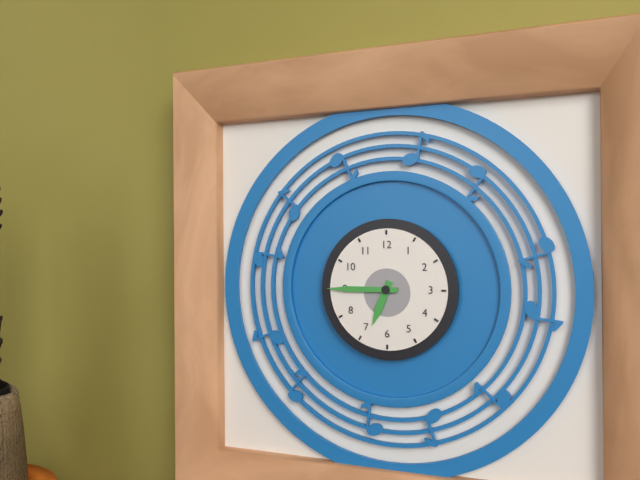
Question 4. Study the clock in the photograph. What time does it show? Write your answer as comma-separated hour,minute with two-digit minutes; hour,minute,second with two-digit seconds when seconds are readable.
6,45
